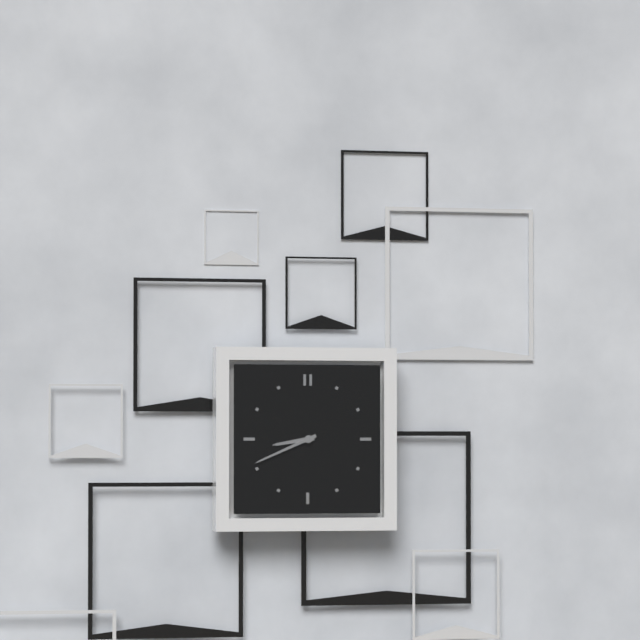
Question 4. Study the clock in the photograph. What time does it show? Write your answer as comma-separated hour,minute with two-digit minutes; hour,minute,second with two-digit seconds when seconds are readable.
8,41
